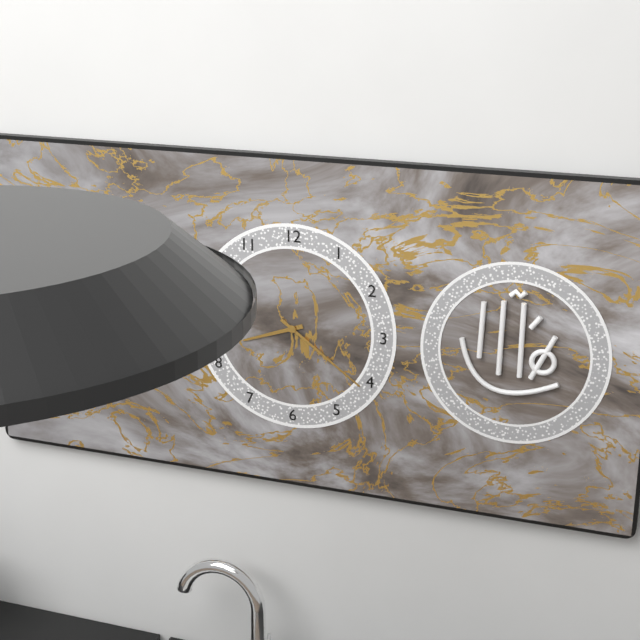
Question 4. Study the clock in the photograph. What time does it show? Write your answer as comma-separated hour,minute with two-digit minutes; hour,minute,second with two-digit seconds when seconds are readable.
8,21
